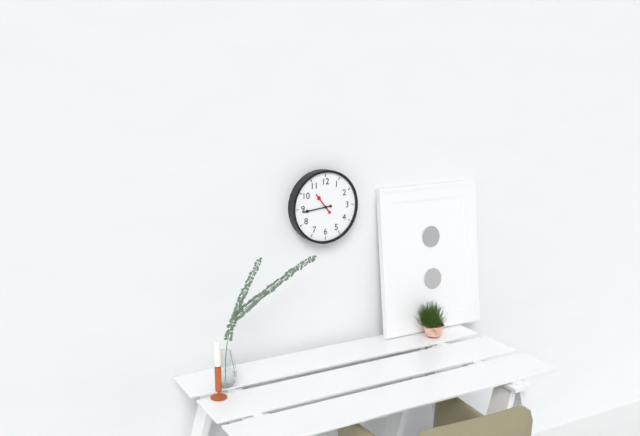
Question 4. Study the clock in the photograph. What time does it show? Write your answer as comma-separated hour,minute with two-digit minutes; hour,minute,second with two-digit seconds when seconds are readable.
10,44
